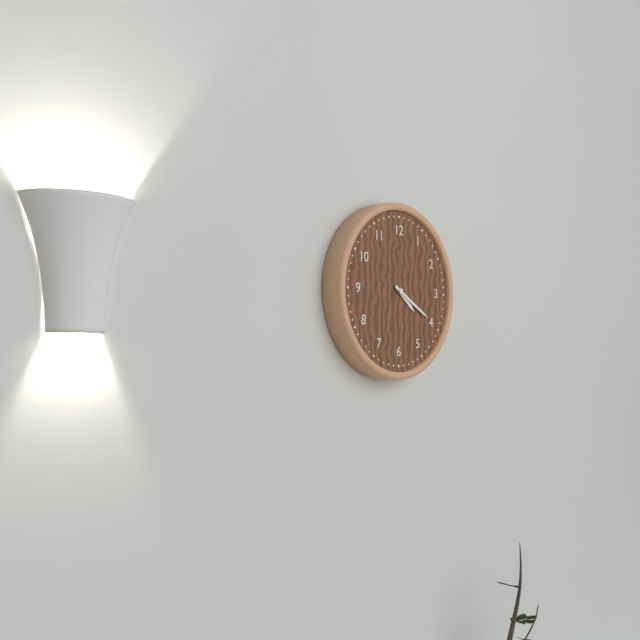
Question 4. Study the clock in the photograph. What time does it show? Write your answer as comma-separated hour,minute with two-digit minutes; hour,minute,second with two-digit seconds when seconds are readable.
4,20
